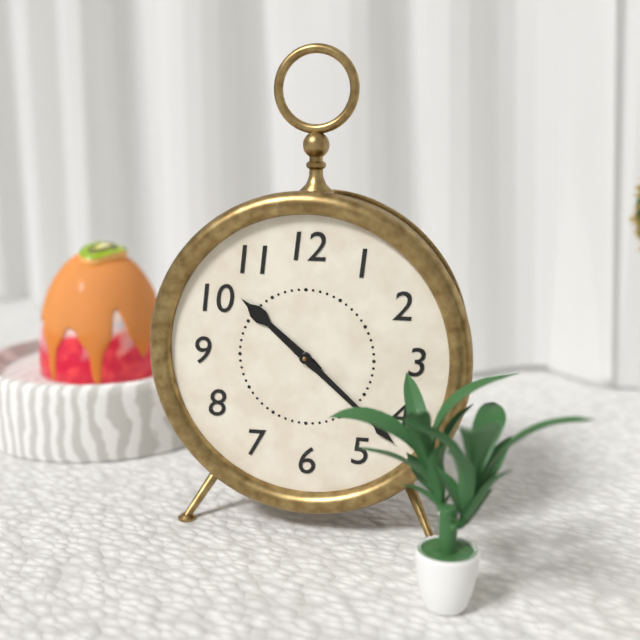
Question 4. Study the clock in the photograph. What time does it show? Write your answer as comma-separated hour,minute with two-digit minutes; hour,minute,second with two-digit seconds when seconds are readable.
10,22
